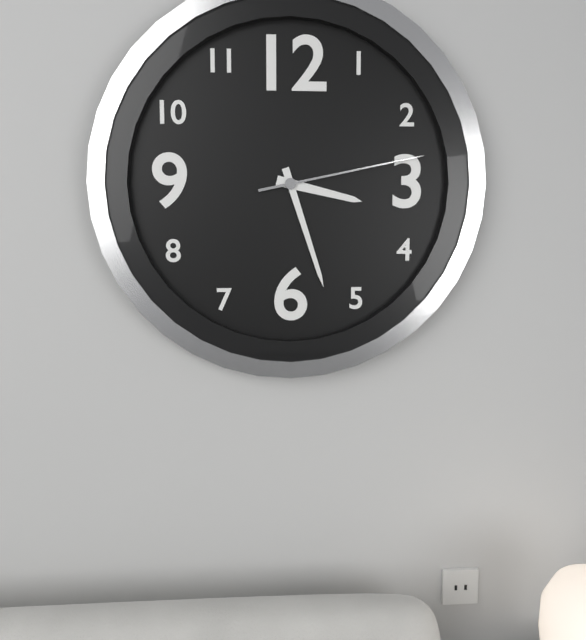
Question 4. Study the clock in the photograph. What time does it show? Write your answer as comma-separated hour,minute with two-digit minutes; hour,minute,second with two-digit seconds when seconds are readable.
3,27,13
